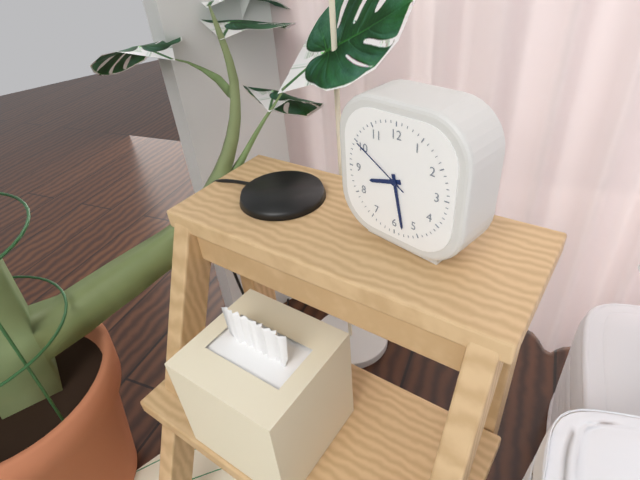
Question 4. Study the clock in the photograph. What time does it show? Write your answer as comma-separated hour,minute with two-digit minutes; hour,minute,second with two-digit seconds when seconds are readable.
8,28,50
